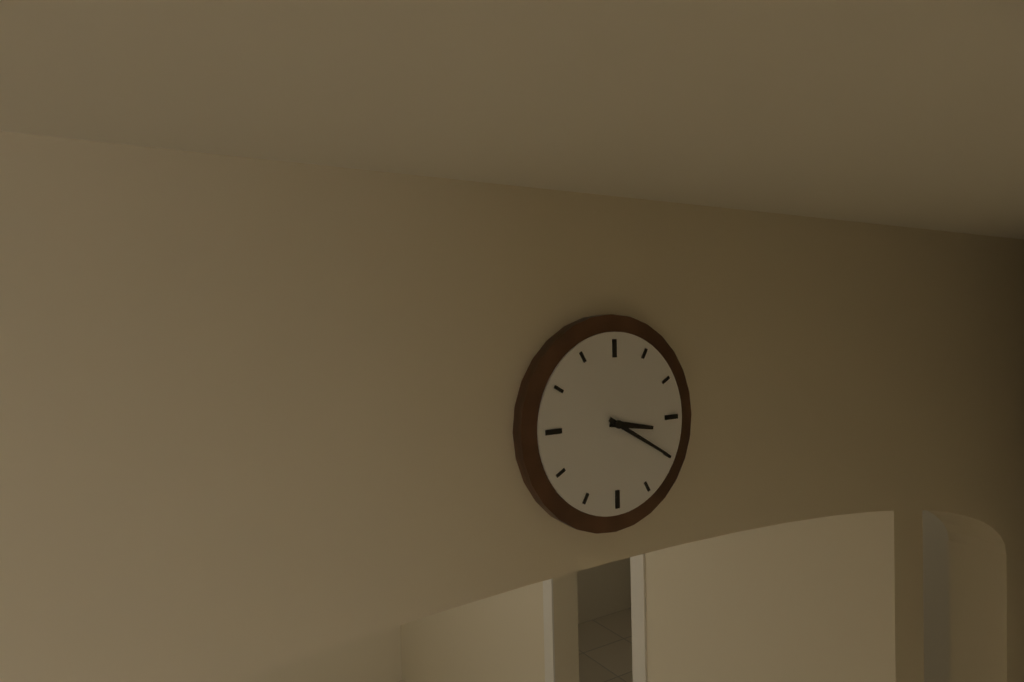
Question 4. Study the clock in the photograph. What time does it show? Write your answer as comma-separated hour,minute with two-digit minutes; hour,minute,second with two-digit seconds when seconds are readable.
3,20
